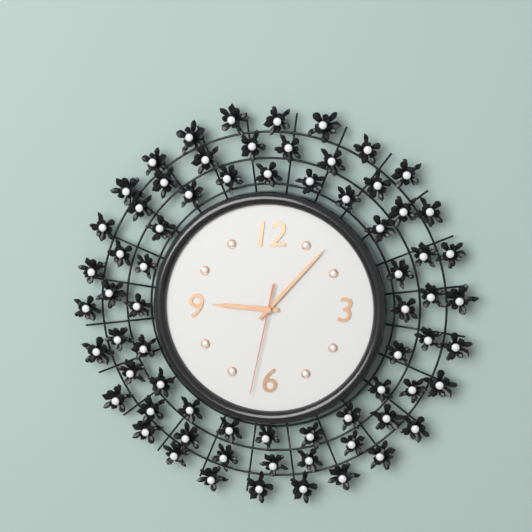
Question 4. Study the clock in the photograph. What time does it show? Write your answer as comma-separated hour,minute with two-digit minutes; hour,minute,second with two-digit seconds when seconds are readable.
9,07,32
